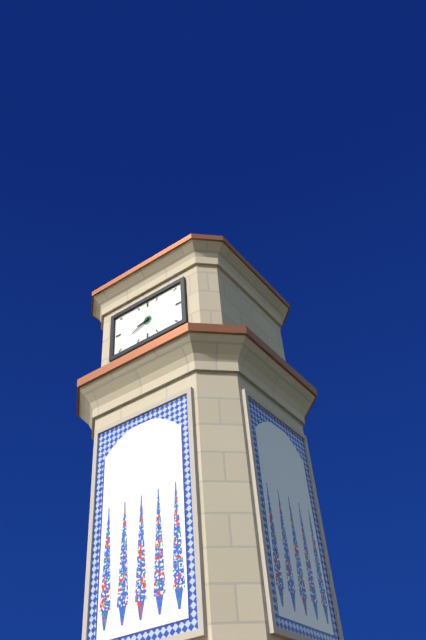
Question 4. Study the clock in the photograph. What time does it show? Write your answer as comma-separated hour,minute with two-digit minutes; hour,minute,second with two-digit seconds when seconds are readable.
8,41
